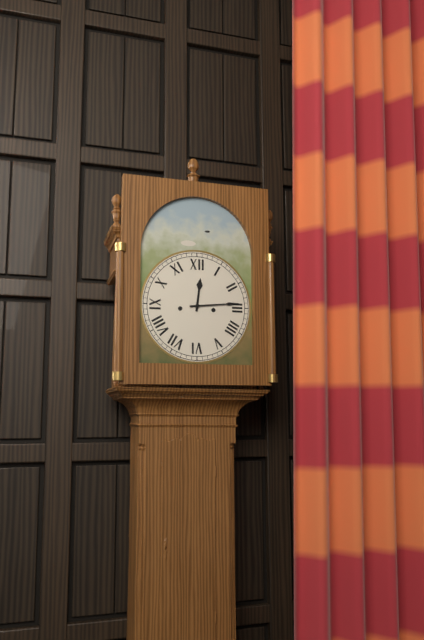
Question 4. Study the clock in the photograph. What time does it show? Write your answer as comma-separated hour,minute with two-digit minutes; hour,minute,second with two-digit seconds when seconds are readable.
12,14
